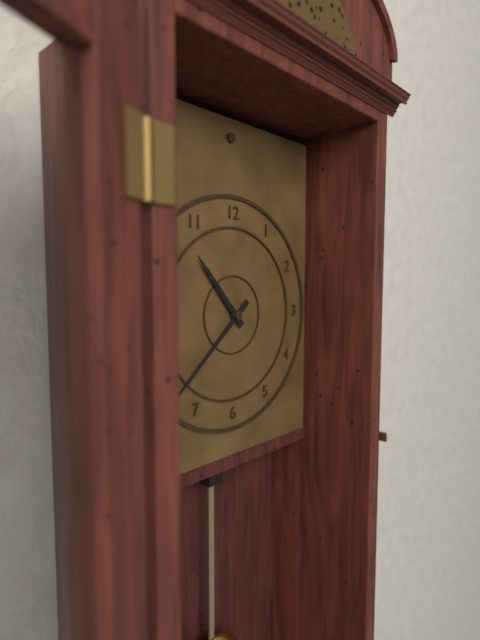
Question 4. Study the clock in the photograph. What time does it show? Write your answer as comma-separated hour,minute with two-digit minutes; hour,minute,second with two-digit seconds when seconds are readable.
10,38
